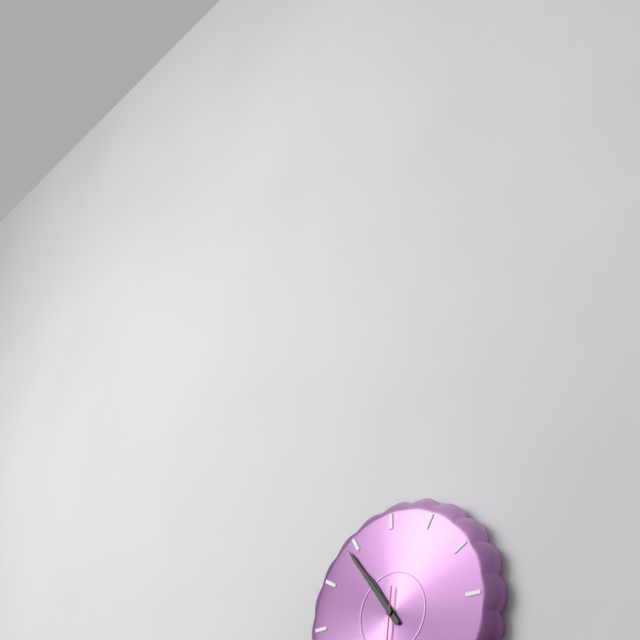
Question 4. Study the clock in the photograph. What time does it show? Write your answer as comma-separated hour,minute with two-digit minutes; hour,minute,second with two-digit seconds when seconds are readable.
10,54
